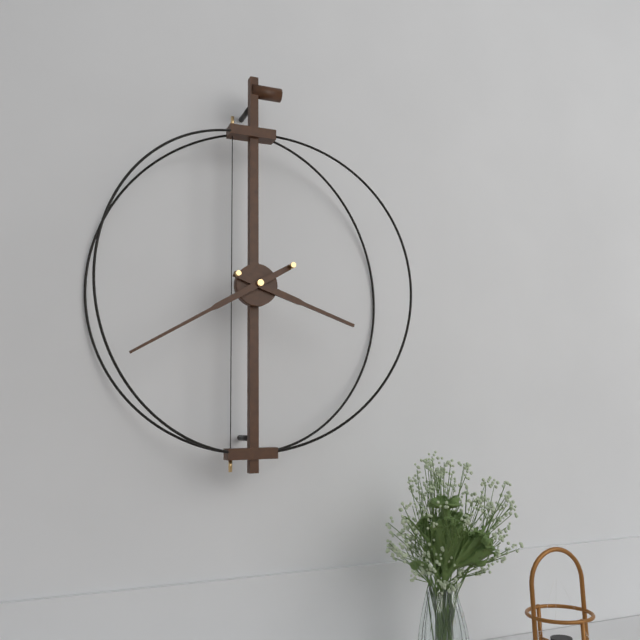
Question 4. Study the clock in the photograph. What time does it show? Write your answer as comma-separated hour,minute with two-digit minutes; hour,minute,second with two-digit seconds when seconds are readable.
3,40
